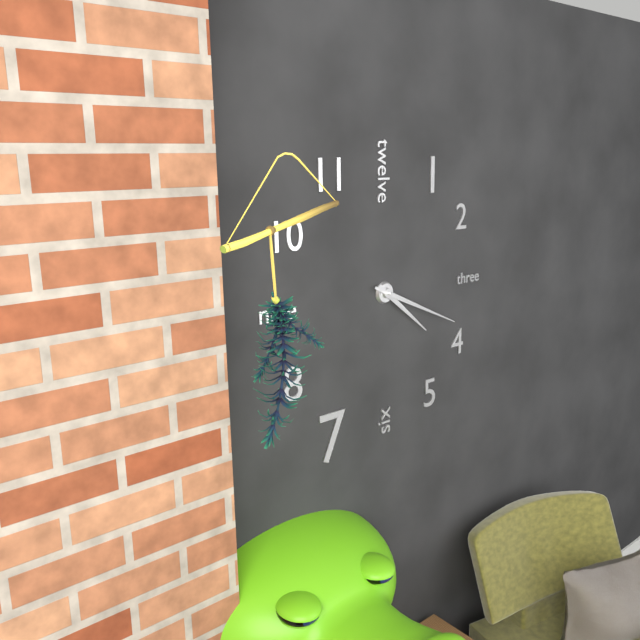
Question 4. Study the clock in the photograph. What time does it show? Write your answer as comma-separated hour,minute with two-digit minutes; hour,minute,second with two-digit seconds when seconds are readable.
4,19
